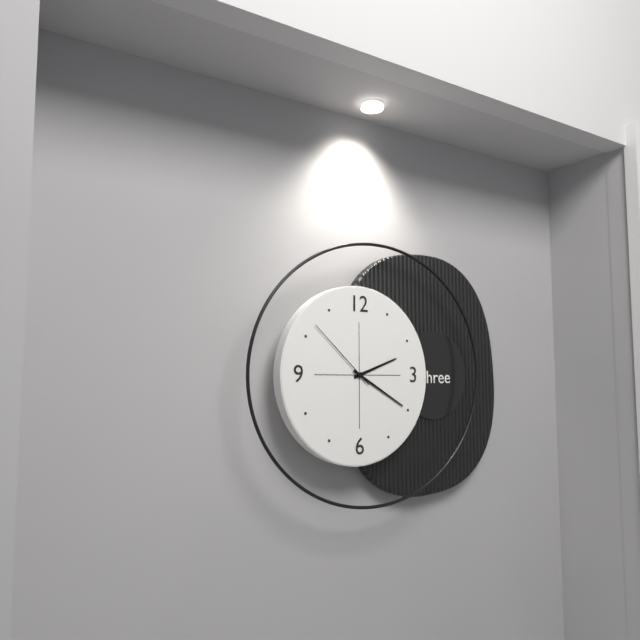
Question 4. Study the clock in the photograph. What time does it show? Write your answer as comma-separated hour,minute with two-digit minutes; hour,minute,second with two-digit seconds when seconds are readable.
2,20,52
